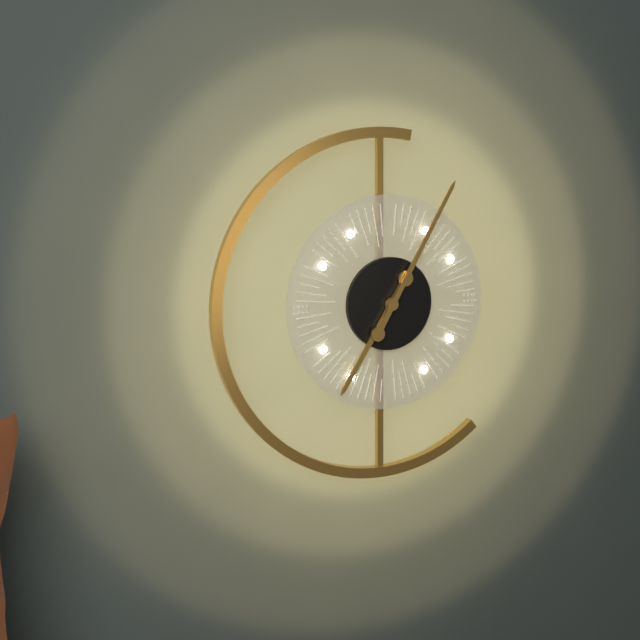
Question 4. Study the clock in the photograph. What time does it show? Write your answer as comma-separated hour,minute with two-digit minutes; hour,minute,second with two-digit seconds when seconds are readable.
7,05
